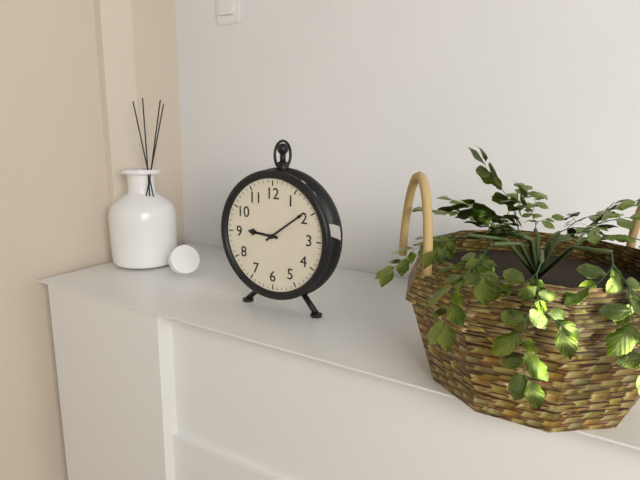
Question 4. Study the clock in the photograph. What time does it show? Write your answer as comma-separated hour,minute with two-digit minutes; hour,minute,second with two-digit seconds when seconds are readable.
9,09
